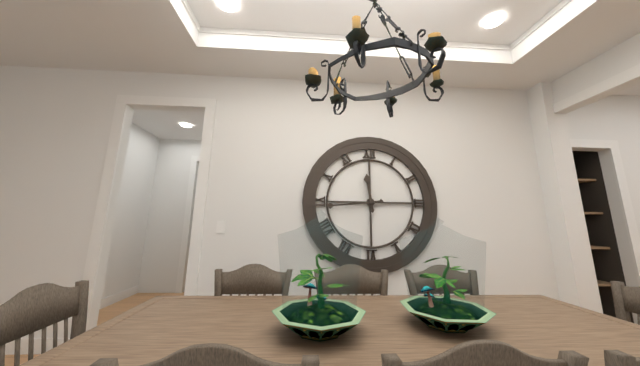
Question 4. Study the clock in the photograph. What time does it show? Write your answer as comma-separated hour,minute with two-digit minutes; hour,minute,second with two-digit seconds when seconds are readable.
11,44
